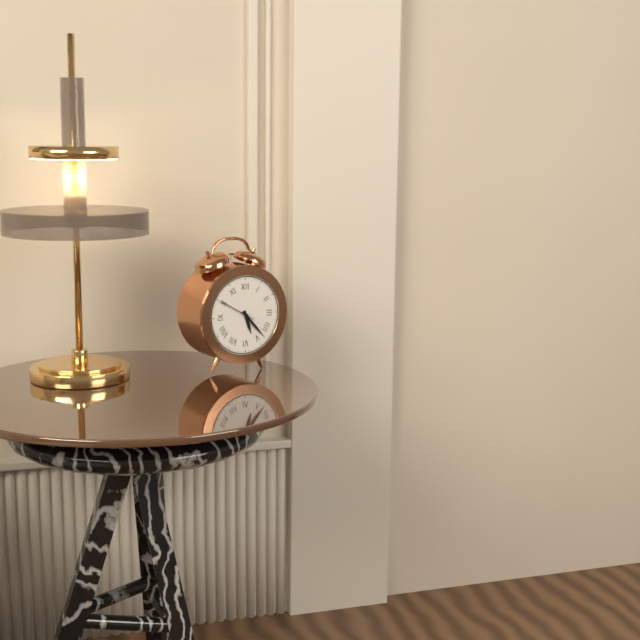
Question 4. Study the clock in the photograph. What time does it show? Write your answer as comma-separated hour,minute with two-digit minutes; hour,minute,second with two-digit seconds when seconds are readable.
5,23
